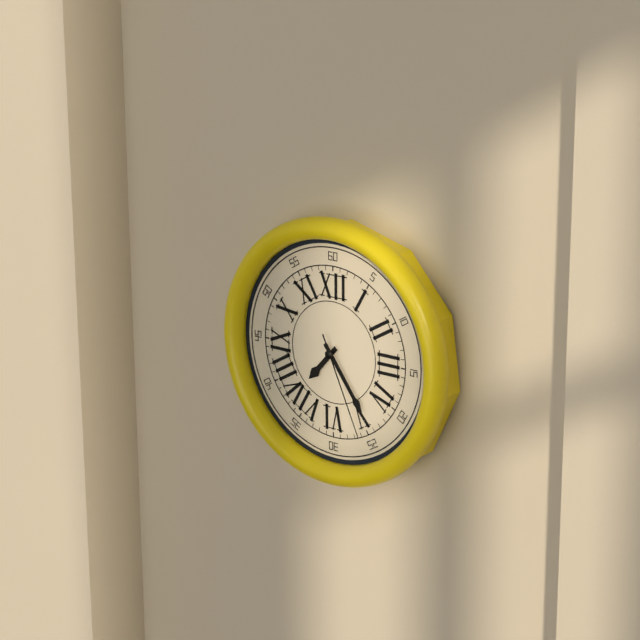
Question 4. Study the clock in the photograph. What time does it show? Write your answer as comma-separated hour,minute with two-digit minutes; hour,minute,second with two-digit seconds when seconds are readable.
7,24,26
